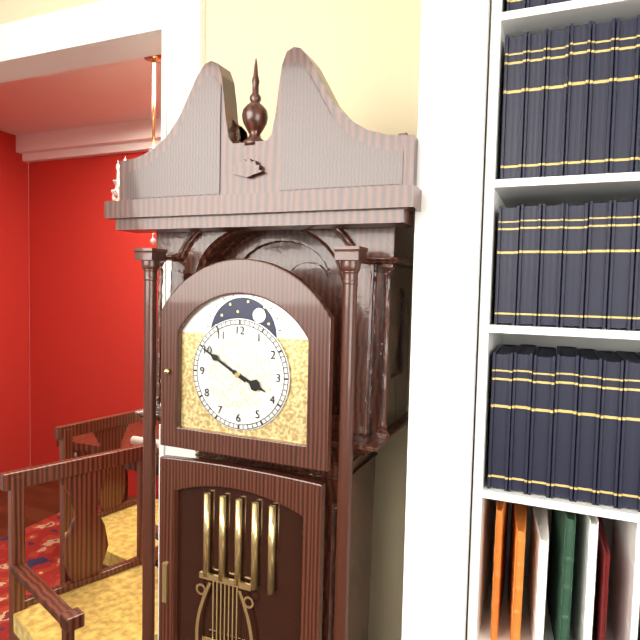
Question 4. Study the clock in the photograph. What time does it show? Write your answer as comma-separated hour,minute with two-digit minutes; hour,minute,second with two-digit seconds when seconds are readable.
3,50
